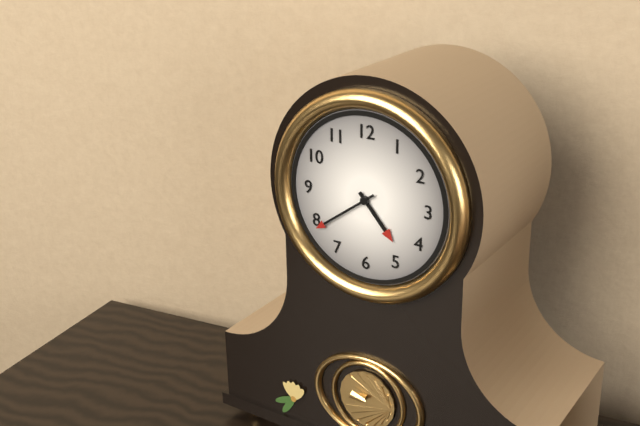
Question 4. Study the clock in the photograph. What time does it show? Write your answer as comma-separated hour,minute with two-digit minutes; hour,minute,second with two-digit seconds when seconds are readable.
4,39
